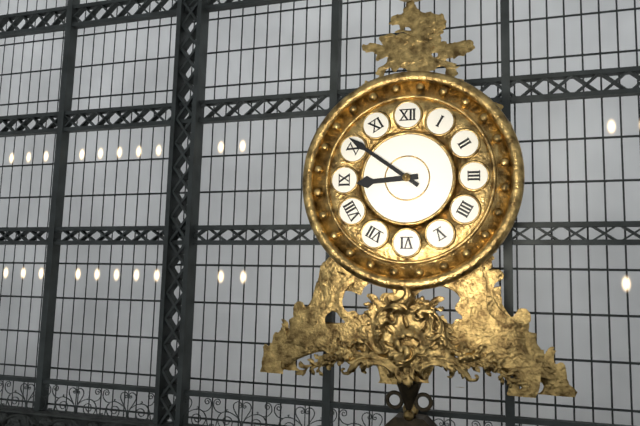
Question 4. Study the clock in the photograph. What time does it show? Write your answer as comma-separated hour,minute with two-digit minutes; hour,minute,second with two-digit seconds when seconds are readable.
8,51
